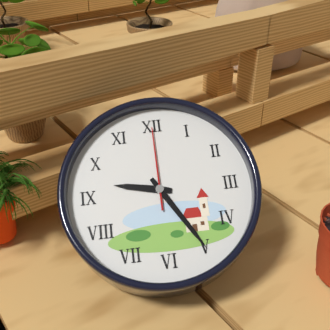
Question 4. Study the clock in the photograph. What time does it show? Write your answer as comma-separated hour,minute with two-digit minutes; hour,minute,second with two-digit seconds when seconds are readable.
9,25,00
